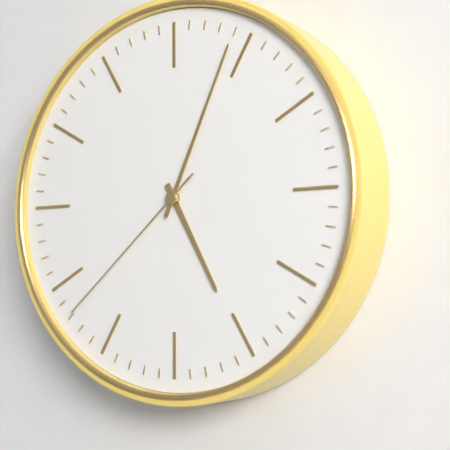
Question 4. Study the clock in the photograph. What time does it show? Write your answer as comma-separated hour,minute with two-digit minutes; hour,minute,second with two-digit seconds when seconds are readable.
5,04,38
